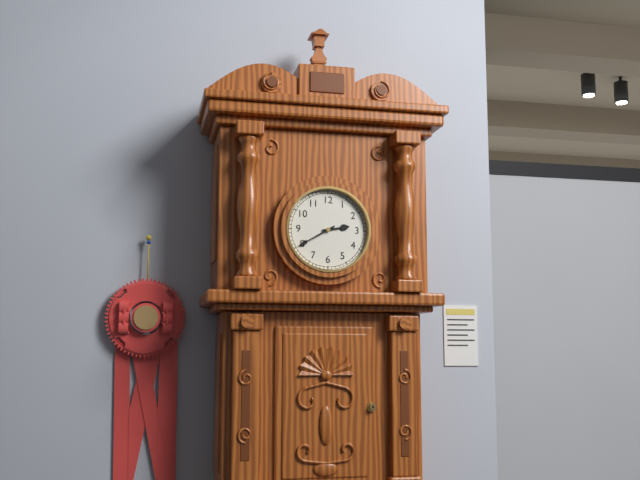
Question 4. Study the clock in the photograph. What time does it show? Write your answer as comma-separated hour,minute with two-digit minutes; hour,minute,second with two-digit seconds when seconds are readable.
2,40
